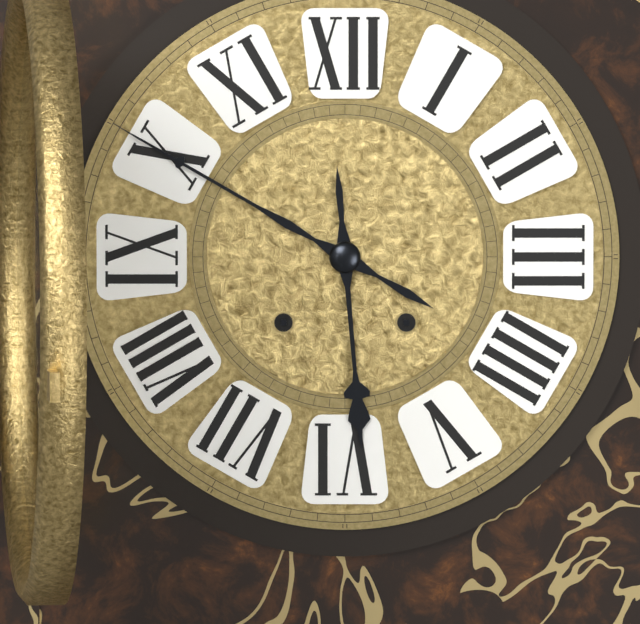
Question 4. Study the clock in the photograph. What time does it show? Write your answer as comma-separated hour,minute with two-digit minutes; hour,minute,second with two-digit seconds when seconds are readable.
5,50
